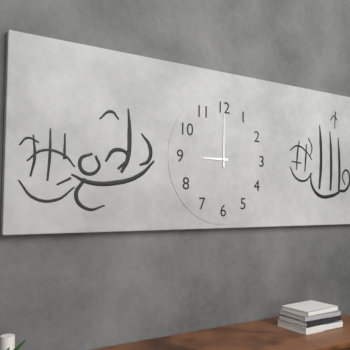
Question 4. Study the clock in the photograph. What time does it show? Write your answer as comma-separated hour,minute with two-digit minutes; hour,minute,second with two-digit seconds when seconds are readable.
9,00
